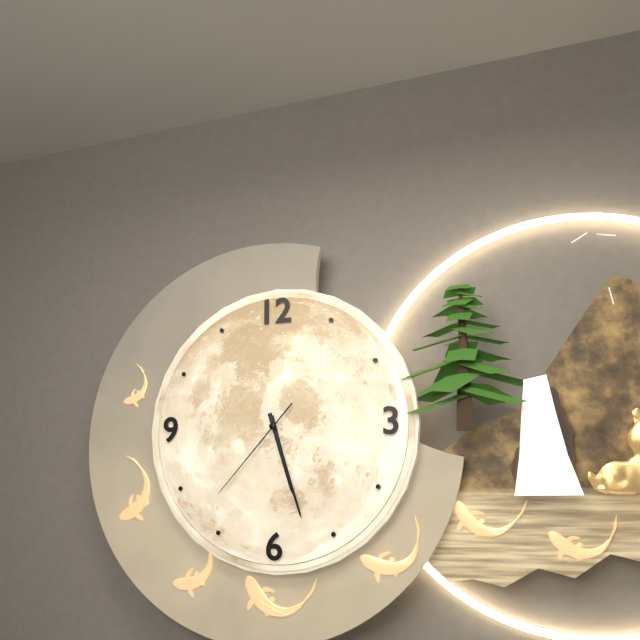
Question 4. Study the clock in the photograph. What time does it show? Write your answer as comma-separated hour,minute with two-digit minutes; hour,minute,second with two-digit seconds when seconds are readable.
5,27,37
